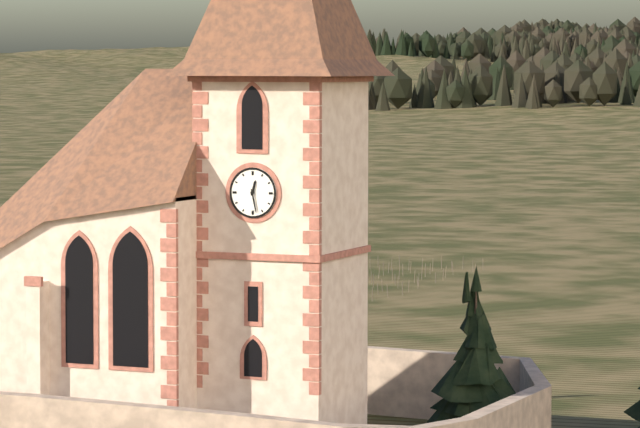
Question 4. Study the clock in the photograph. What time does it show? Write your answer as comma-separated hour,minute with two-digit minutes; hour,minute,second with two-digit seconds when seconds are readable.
12,28
